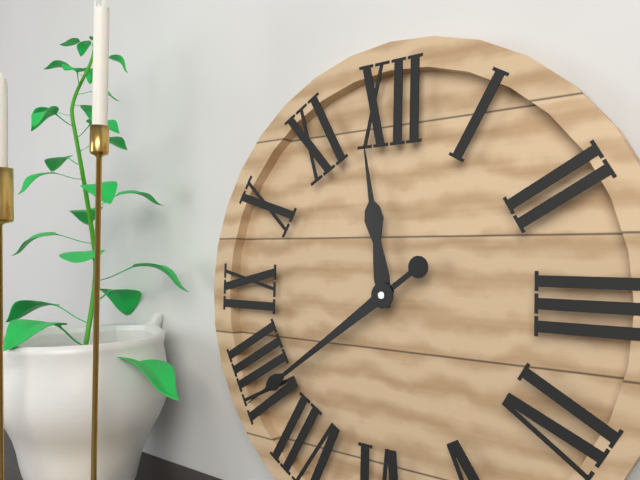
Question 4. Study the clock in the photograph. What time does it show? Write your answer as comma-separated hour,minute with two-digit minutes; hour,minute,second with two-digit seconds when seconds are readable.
11,39
